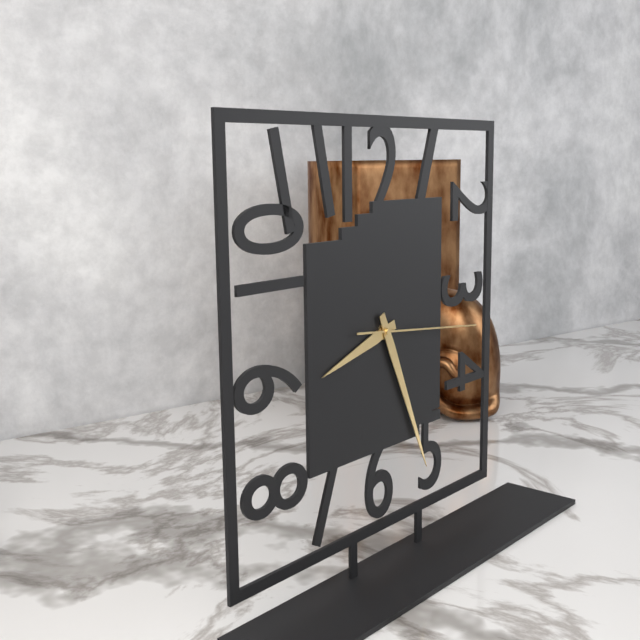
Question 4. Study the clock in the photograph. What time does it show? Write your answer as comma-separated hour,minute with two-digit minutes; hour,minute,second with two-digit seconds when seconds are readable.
8,26,16
